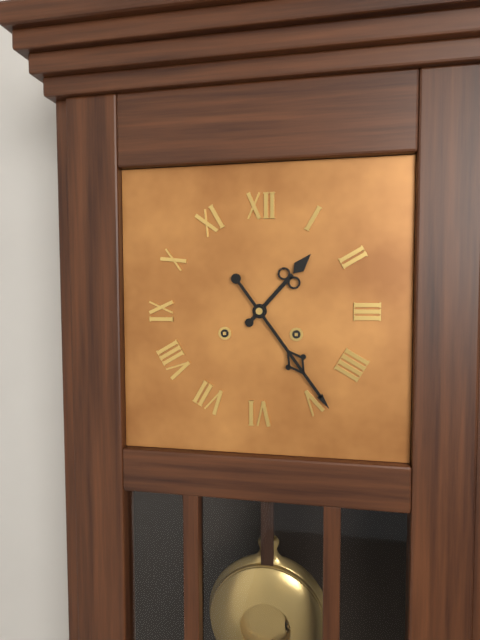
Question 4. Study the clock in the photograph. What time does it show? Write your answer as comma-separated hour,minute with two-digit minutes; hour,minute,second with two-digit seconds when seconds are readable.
1,24
